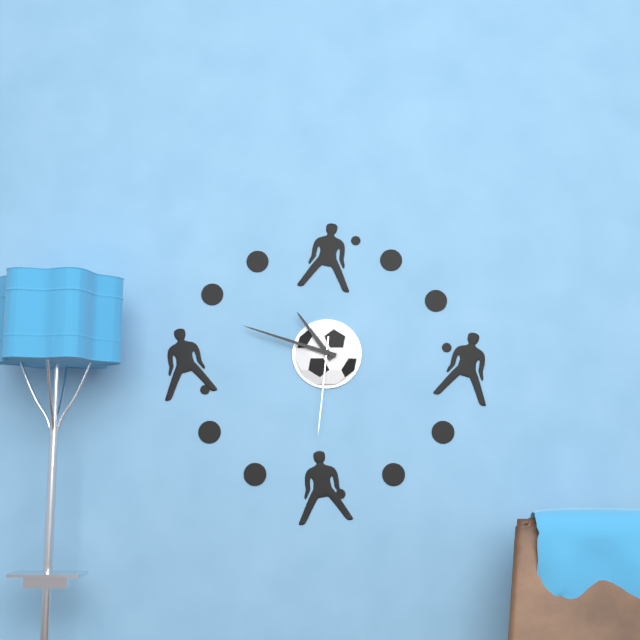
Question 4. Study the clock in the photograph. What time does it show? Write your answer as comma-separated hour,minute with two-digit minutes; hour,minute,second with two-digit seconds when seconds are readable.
10,48,31
